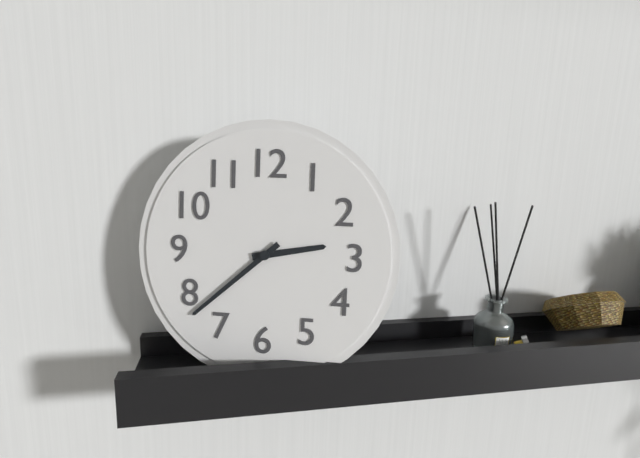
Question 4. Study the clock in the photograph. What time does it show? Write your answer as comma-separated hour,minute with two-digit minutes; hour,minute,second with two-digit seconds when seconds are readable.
2,38
